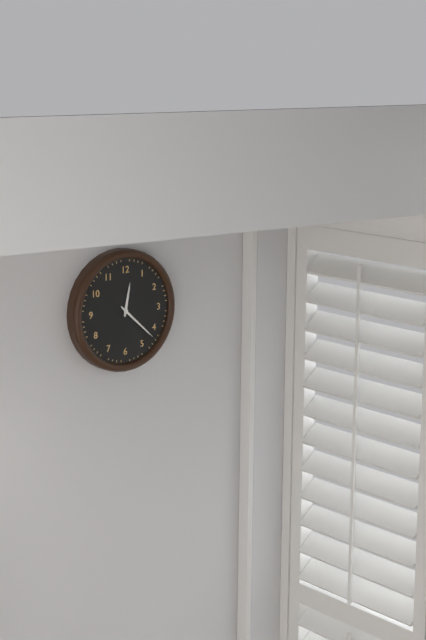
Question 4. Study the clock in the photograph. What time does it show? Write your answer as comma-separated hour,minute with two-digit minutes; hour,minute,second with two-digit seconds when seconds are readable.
12,22
